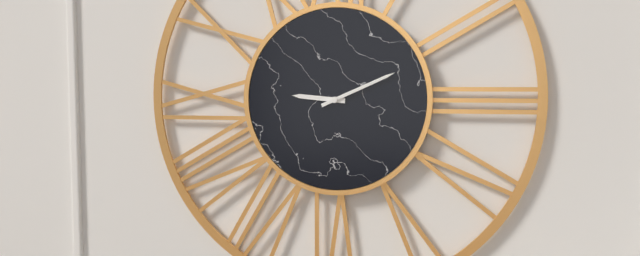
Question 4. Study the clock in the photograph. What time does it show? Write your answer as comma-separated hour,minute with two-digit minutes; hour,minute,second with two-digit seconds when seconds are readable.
9,11
